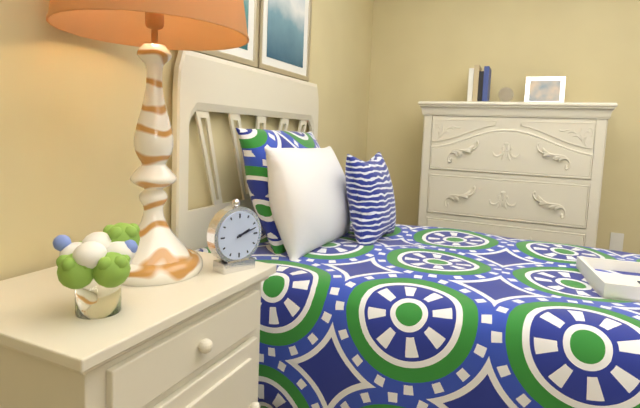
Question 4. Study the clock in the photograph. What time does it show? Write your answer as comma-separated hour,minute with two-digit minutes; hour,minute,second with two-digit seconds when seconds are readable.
2,12
